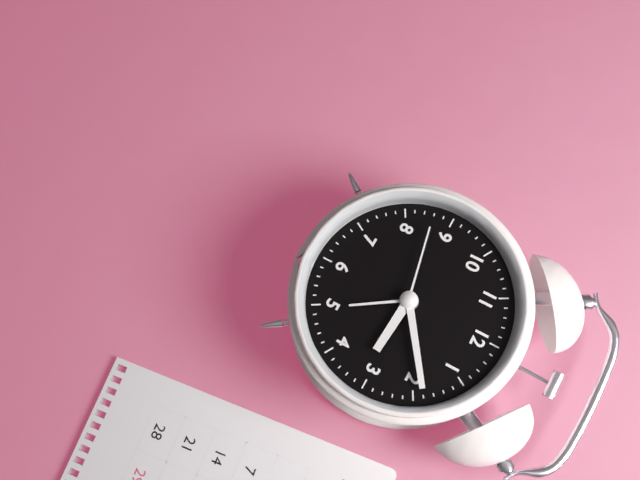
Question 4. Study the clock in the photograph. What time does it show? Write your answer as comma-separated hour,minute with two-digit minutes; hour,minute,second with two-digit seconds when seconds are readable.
3,09,43
